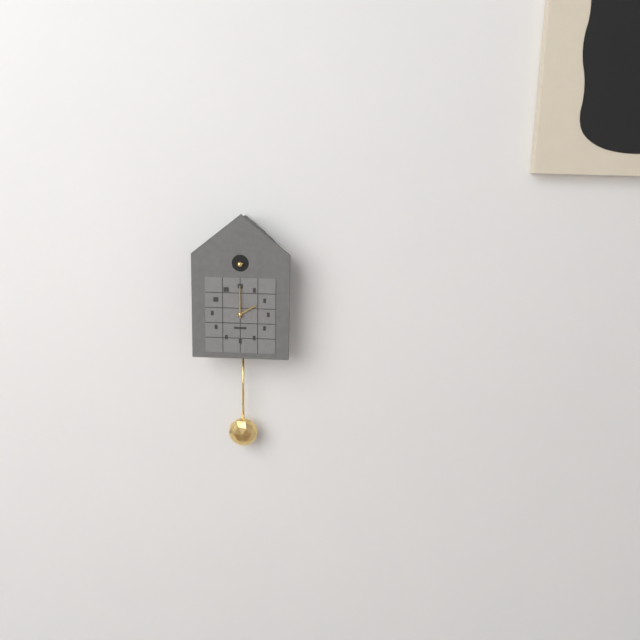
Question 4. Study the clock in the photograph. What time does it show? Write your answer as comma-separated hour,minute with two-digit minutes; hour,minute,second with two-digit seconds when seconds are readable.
2,00
